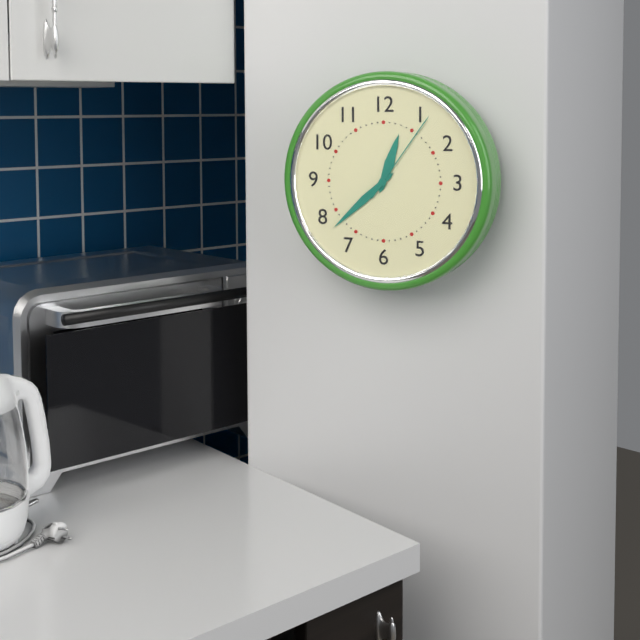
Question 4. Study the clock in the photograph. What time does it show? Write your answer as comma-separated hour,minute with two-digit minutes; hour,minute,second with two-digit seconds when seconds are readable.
12,38,06
